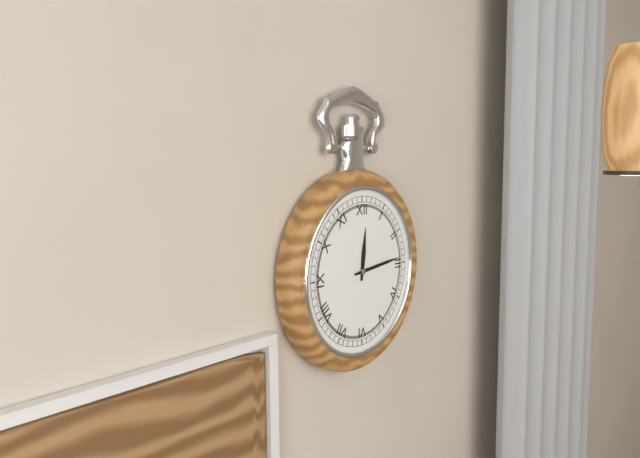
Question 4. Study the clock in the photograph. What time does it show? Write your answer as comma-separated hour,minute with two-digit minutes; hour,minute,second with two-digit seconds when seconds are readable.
12,14
